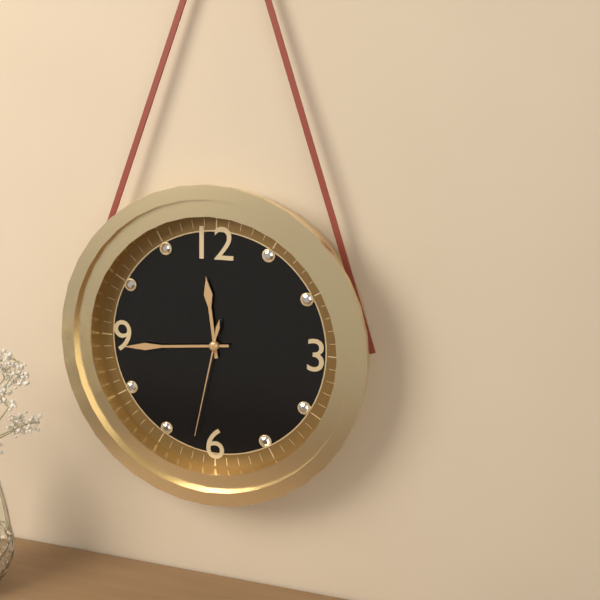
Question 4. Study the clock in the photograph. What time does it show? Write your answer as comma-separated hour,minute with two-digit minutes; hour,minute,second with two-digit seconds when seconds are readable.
11,44,32
